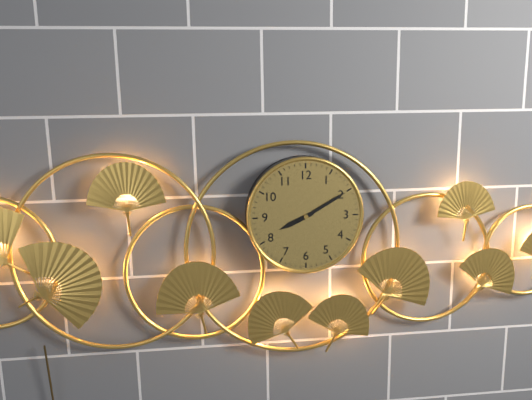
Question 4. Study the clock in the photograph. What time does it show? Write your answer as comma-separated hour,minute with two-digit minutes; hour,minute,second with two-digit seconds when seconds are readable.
8,10
